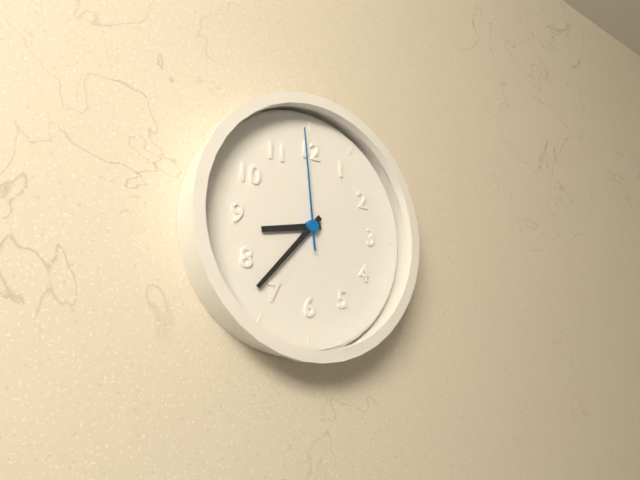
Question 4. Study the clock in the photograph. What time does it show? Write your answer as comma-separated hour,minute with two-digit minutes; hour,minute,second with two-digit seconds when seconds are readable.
8,37,59
